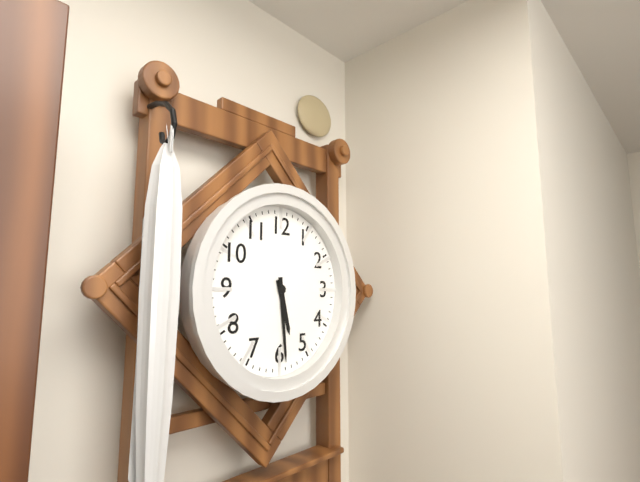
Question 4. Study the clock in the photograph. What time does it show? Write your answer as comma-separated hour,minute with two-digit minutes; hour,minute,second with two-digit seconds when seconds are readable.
5,29
